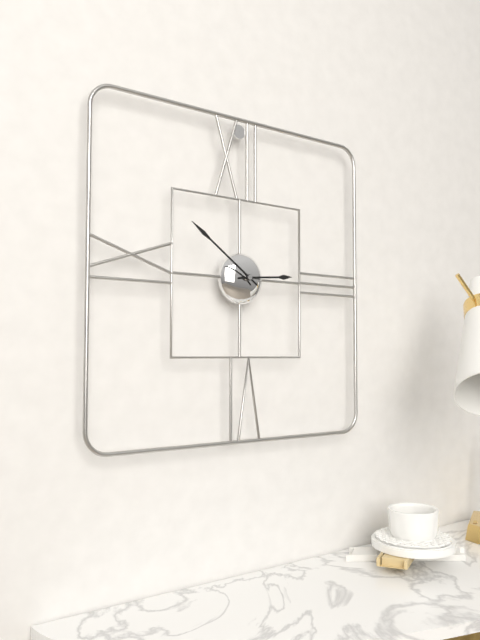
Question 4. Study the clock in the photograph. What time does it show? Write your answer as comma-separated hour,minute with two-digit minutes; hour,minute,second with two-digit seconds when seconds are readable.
2,51
